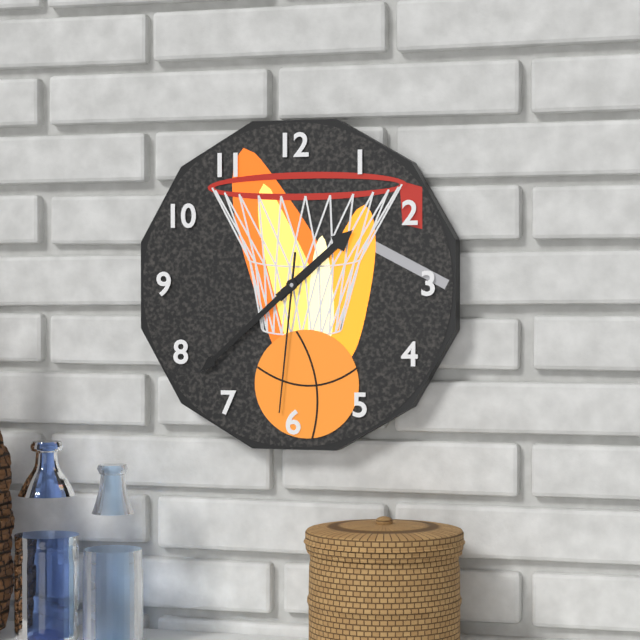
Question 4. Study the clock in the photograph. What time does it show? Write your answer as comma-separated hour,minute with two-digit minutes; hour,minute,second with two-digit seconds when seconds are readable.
1,38,31
